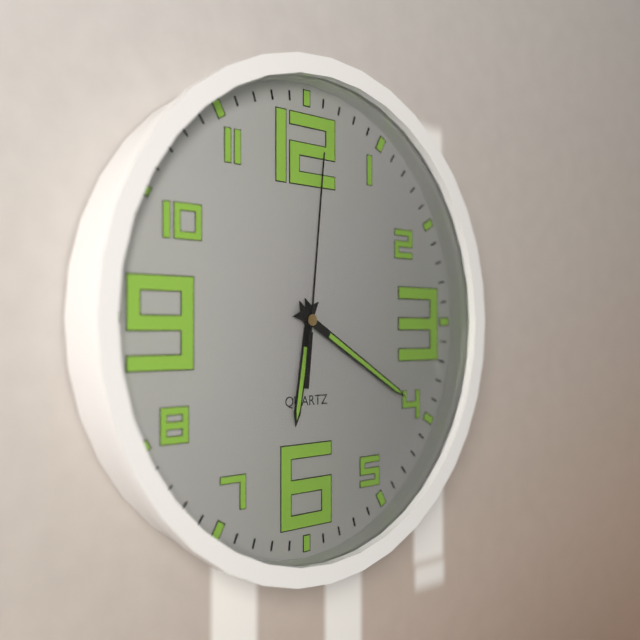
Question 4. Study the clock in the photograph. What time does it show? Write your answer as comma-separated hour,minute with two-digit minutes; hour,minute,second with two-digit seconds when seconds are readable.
6,20,01
